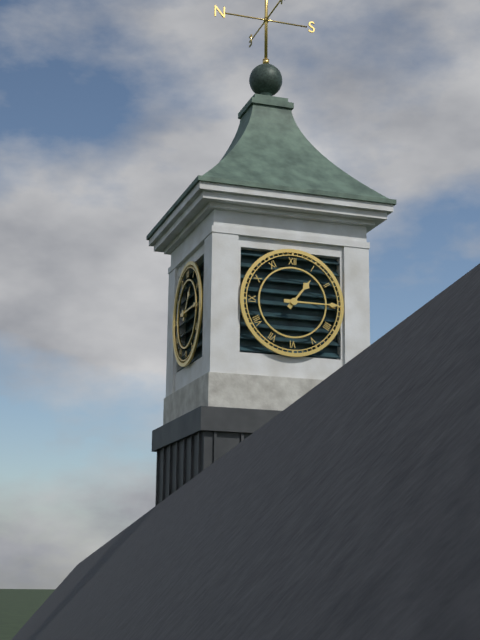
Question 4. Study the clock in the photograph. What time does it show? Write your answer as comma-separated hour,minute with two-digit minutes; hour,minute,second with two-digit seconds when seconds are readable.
1,15
